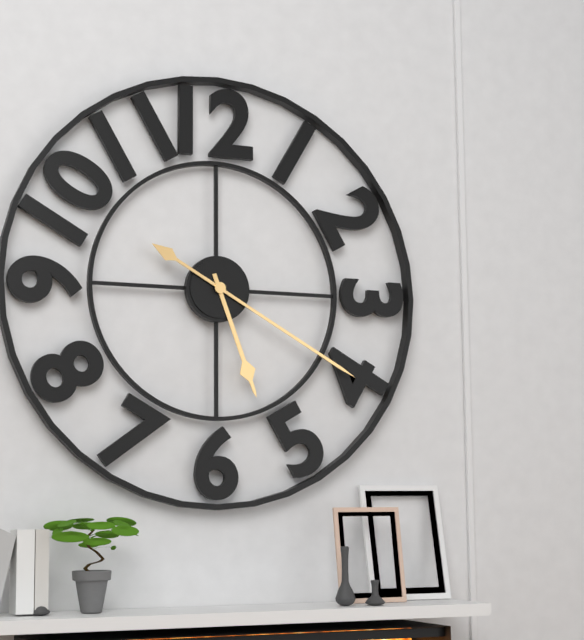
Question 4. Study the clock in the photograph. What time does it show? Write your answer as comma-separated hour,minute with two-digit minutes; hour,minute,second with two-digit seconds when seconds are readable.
5,20
